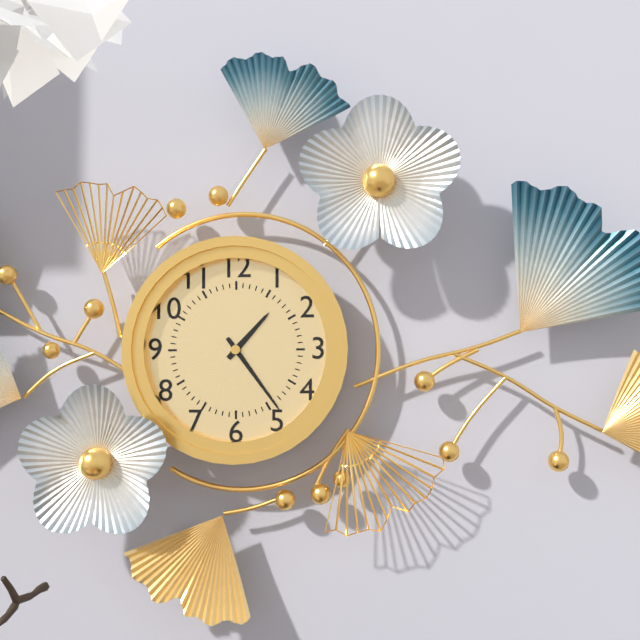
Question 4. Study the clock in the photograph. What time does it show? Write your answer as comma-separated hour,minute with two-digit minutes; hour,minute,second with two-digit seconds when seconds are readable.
1,24
